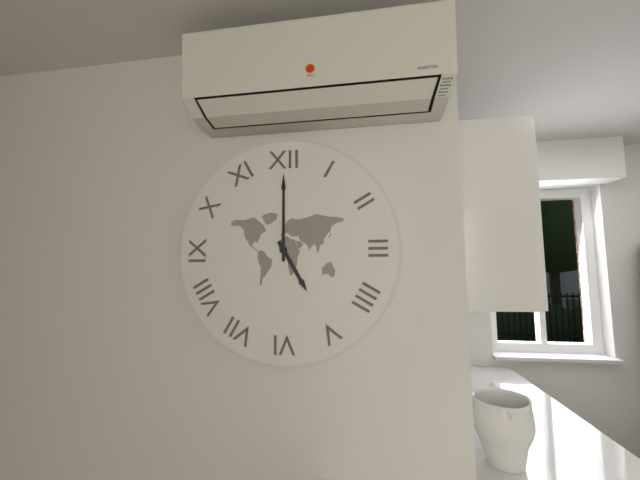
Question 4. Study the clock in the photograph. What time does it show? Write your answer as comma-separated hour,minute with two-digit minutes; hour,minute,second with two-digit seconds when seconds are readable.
5,00
